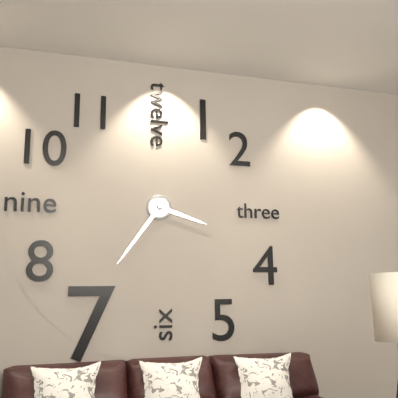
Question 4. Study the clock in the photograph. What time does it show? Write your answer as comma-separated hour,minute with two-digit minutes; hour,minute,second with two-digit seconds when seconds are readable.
3,36
